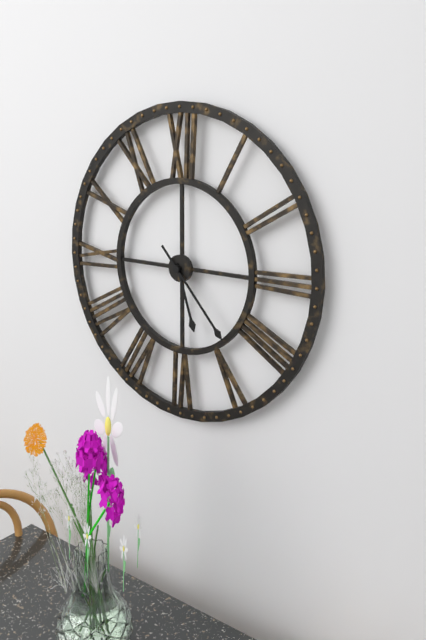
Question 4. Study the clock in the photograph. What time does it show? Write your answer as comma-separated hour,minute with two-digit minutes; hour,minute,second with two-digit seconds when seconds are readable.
5,23
